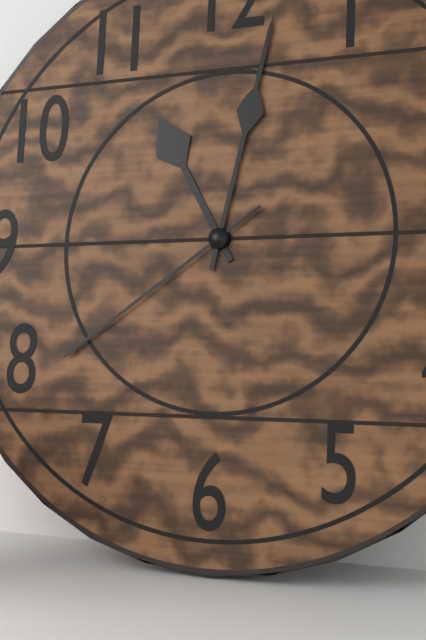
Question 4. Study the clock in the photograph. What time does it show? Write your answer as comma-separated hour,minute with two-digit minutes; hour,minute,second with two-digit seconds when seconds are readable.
11,02,39
